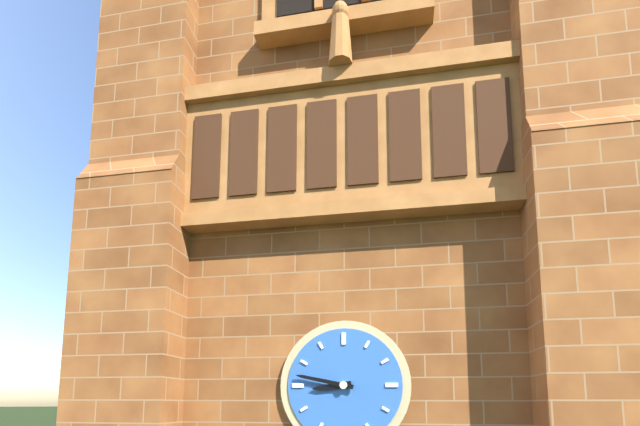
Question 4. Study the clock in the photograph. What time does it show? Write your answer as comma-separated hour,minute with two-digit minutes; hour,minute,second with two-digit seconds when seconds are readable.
8,47
